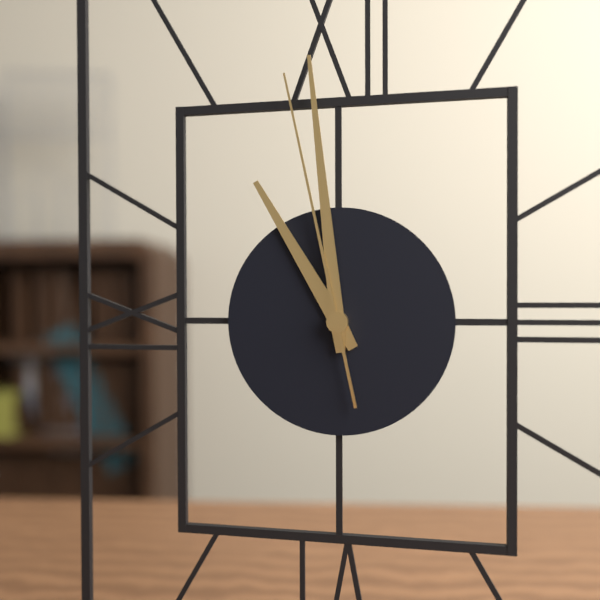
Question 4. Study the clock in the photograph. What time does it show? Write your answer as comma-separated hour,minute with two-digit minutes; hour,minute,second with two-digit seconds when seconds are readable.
10,59,58
